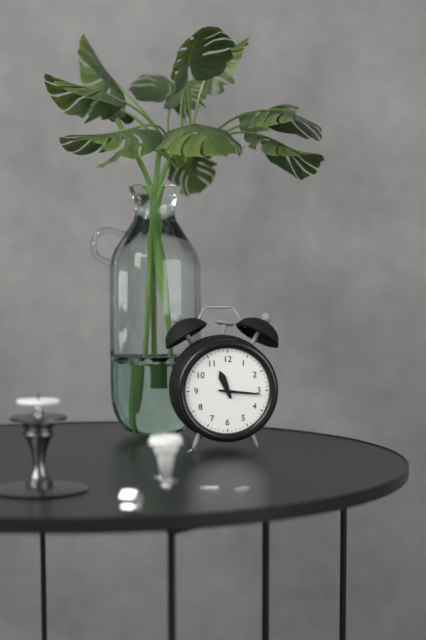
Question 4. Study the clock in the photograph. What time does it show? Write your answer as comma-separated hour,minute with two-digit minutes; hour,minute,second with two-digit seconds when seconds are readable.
11,16
